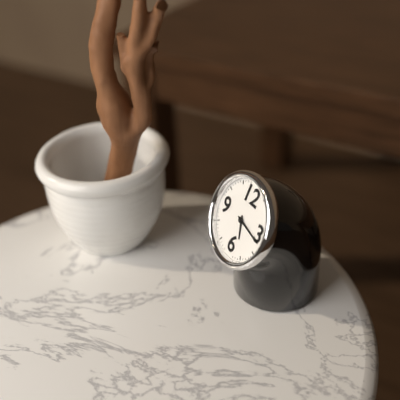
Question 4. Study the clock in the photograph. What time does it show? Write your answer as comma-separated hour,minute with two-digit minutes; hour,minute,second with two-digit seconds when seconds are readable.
5,17
